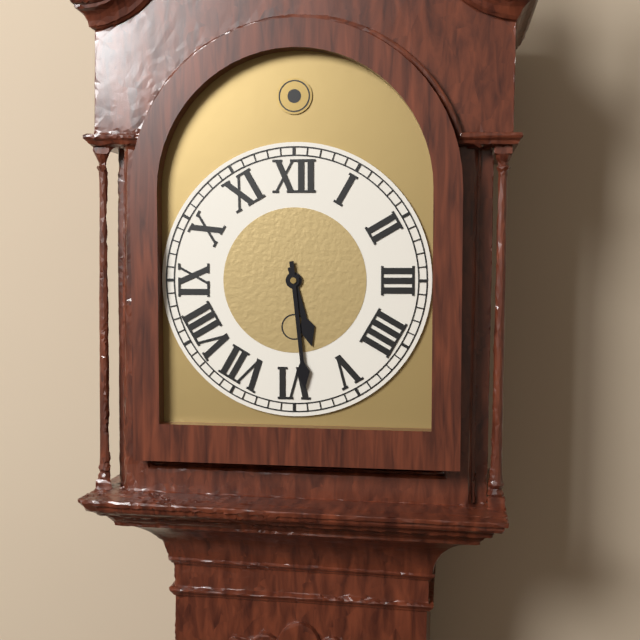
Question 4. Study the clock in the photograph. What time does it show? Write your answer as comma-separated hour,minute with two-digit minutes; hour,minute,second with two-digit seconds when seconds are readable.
5,29
